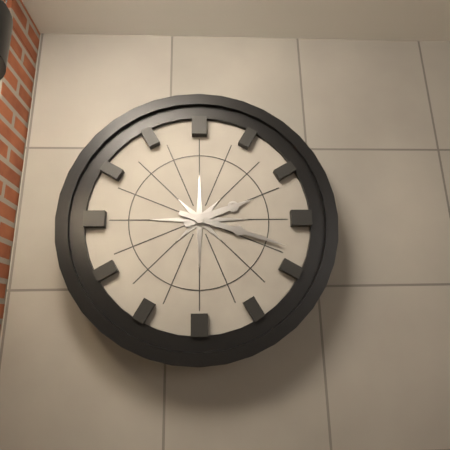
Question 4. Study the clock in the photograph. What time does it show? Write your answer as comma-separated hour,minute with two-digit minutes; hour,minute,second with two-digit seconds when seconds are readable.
2,18
